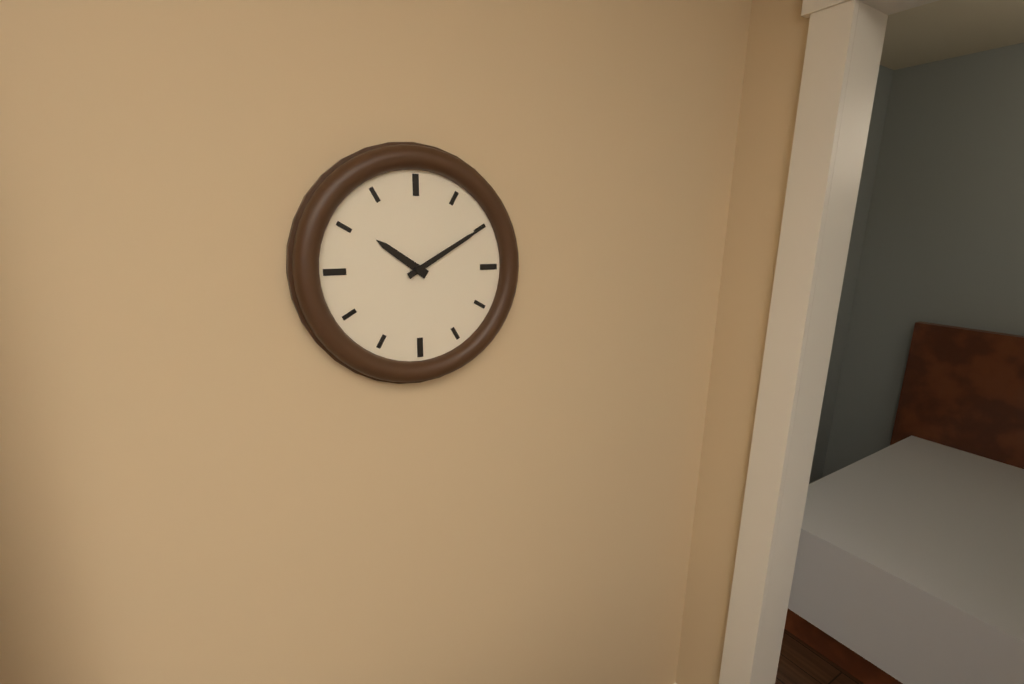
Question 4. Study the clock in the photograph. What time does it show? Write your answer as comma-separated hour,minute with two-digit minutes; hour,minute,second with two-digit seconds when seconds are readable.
10,10
